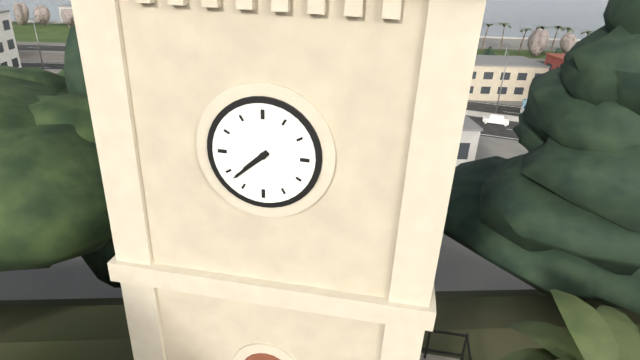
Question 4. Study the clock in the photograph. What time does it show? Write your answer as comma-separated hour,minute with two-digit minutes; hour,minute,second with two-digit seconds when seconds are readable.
7,38
